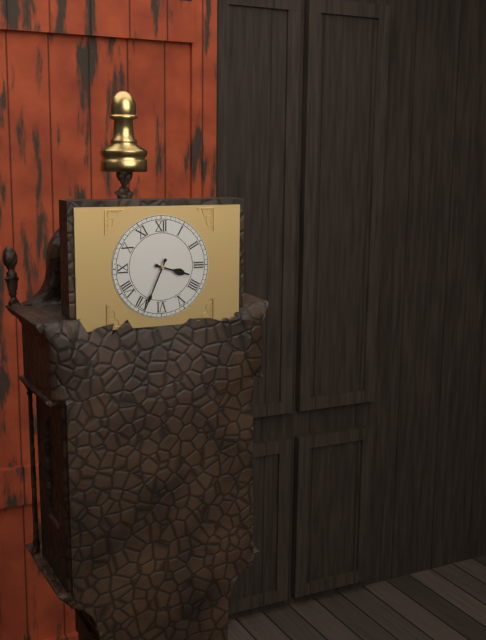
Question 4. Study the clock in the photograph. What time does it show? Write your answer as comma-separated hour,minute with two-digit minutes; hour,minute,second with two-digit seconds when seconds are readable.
3,34
